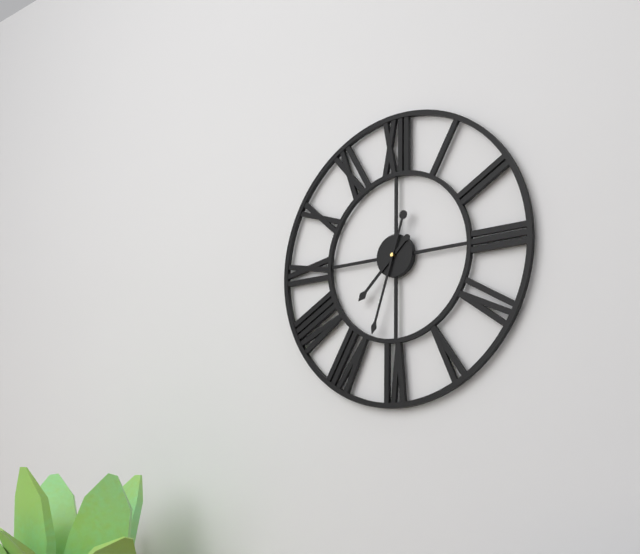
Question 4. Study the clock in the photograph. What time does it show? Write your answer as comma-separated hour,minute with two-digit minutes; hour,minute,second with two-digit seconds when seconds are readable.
7,33
